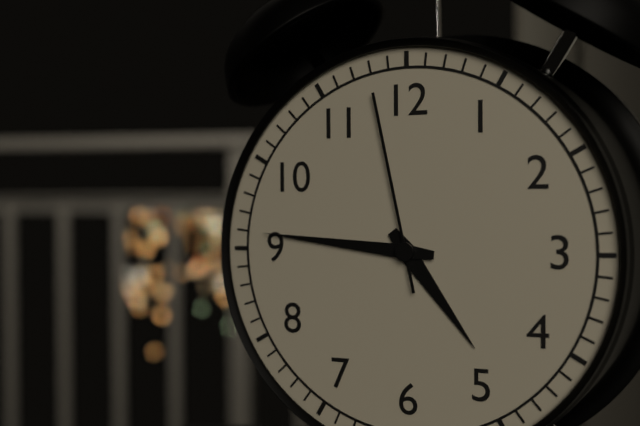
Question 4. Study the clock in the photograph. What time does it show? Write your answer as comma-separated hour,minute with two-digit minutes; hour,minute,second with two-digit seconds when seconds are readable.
4,46,58
